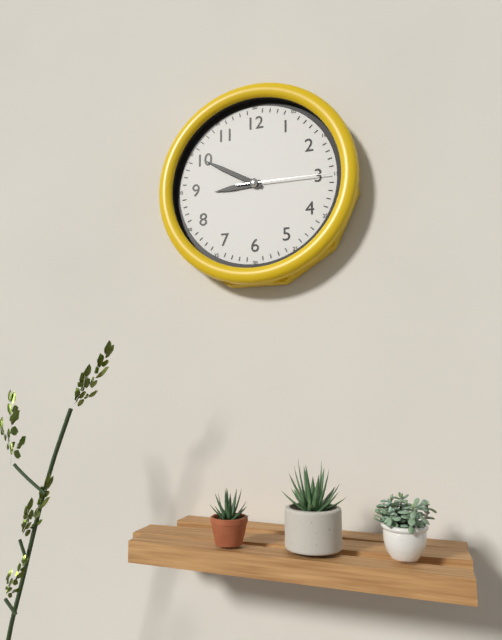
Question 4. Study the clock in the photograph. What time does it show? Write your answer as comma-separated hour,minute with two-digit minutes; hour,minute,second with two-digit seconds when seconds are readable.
8,50,15
